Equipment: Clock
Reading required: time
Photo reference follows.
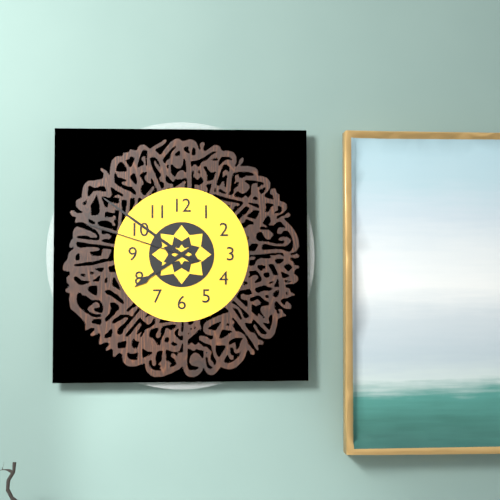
7:51:48
